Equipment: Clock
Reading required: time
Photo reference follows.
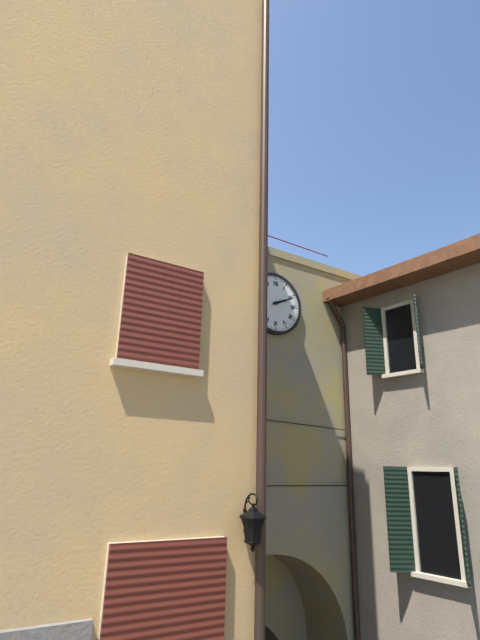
2:11
